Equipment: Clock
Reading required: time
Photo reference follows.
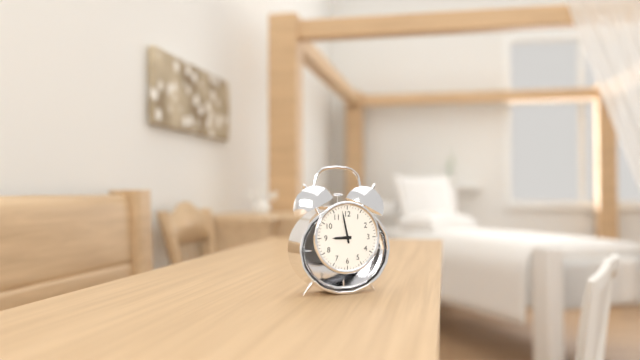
8:58
